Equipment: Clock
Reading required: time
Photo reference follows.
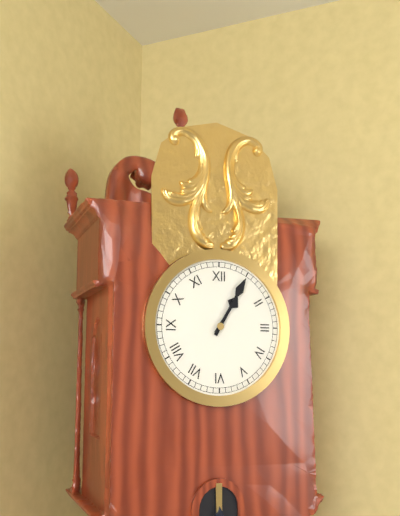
1:05
